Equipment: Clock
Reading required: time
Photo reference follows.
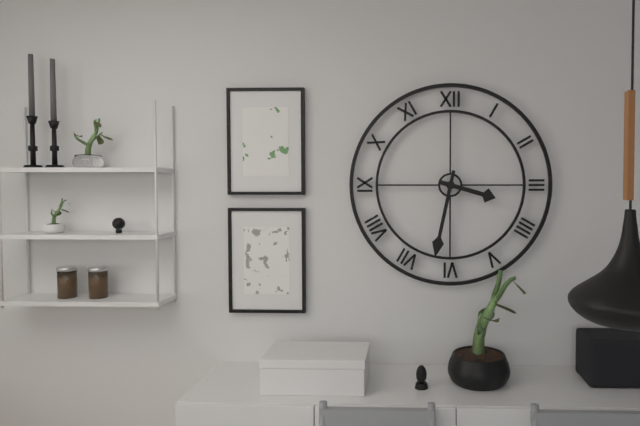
3:32
